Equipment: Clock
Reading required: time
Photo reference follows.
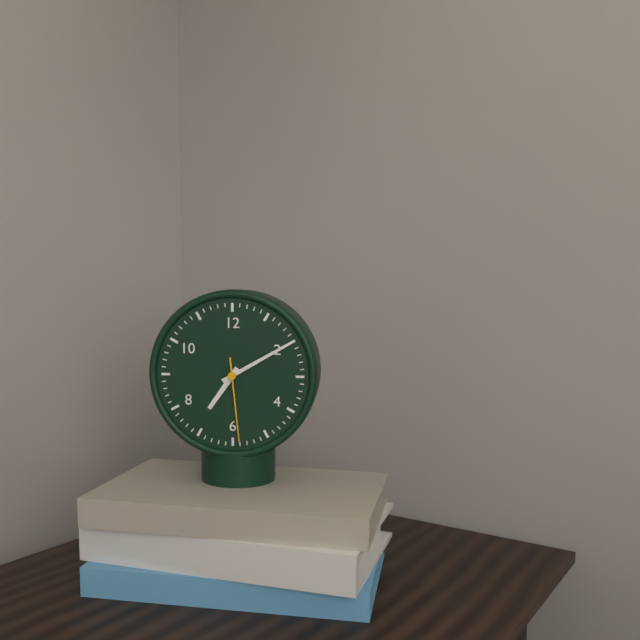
7:10:29
